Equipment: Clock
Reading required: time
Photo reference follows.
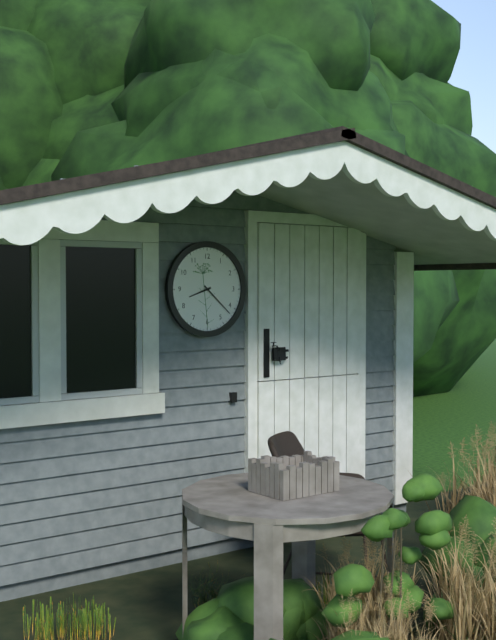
8:22
